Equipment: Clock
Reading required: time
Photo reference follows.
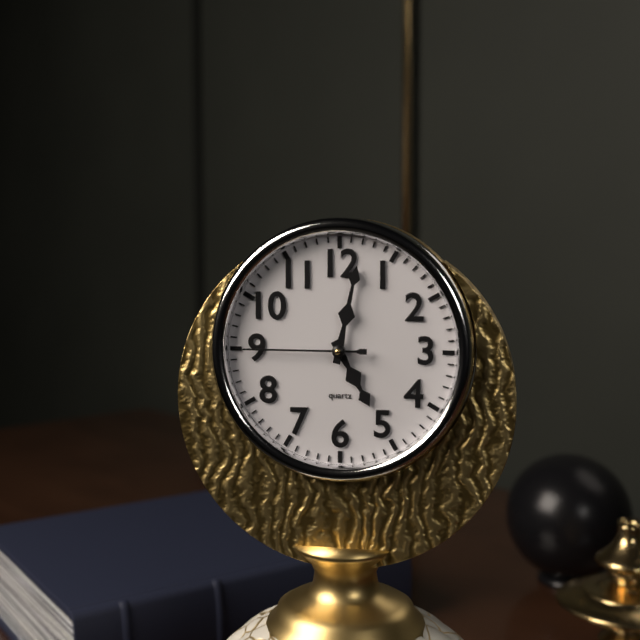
5:02:45
